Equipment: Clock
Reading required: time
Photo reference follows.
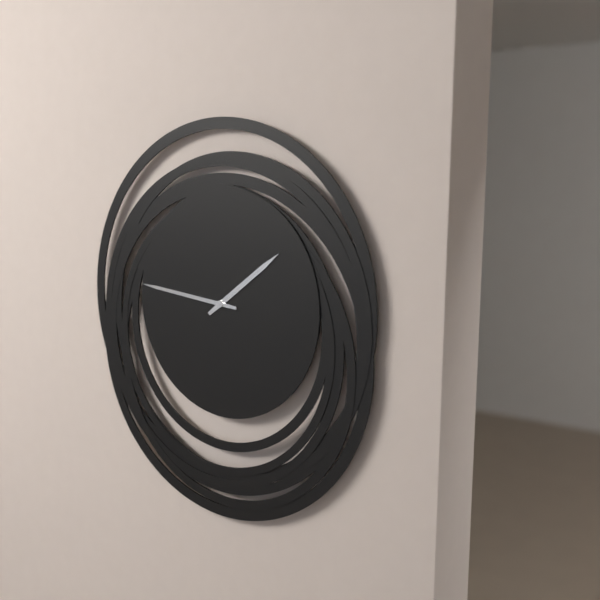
1:46
